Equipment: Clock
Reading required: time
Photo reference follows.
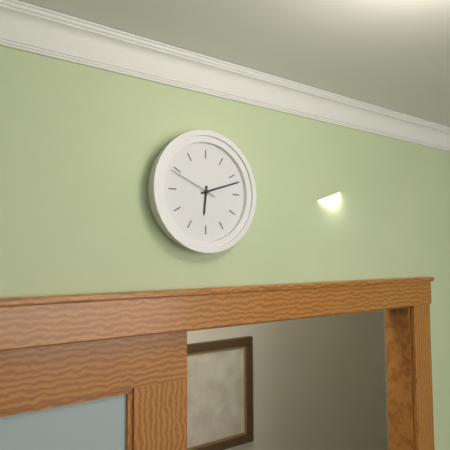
6:12:49
